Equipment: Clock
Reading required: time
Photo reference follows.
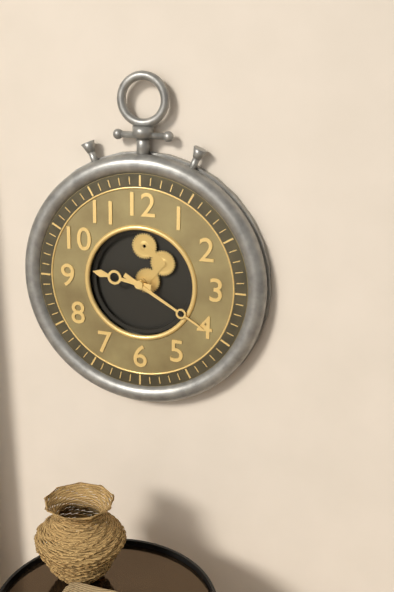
9:20
